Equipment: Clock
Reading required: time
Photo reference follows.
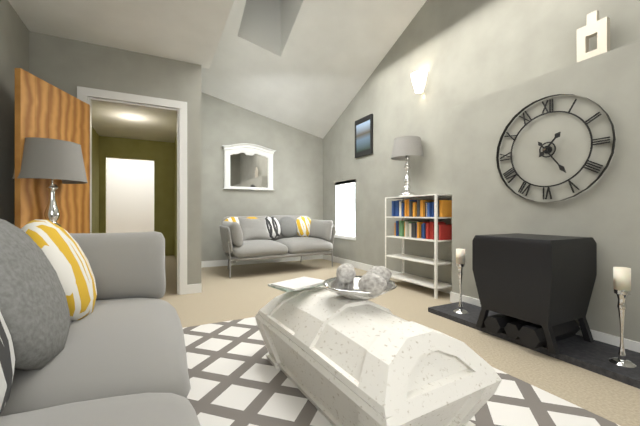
1:24
